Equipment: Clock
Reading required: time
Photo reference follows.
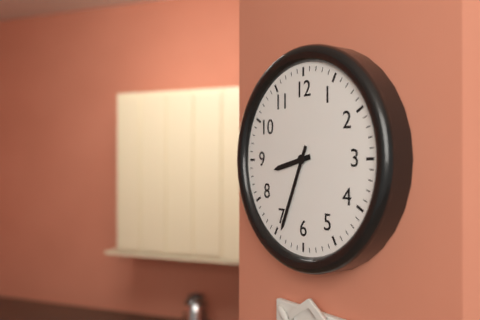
8:34
